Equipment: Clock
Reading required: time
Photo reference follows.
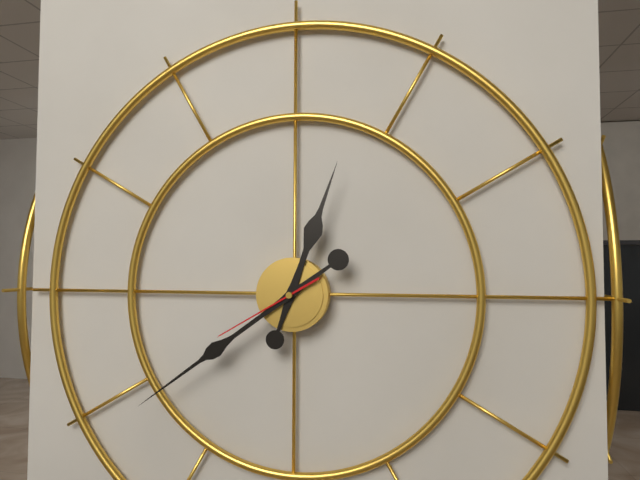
12:39:40
